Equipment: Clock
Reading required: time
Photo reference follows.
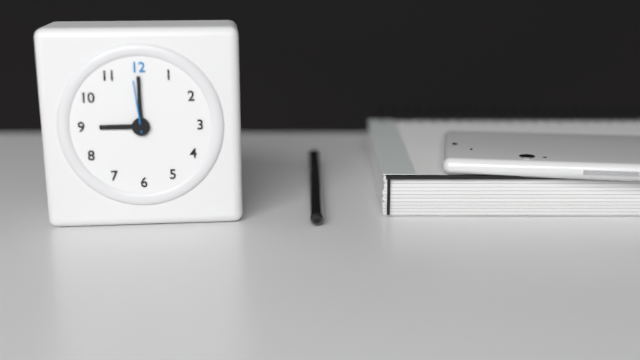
9:00:59
